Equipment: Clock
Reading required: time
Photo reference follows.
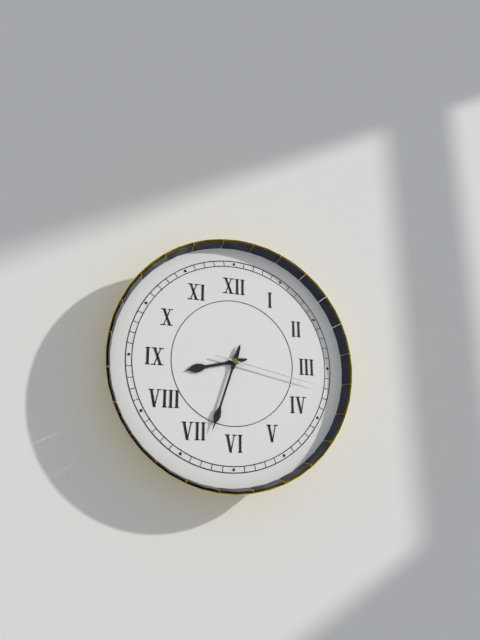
8:33:17
